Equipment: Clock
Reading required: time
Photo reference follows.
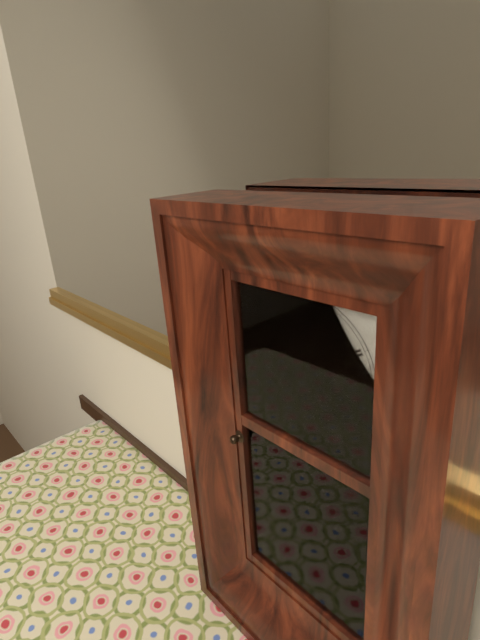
9:16
